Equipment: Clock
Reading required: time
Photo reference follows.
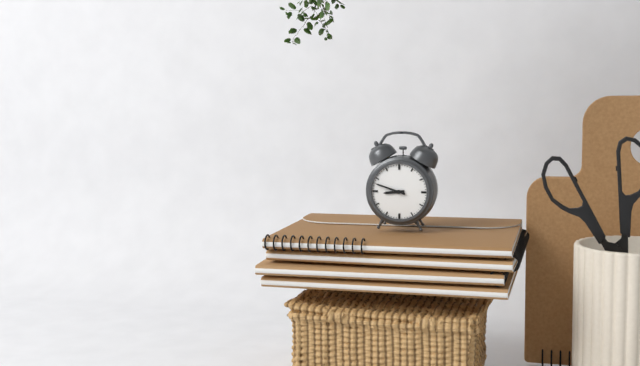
8:48
